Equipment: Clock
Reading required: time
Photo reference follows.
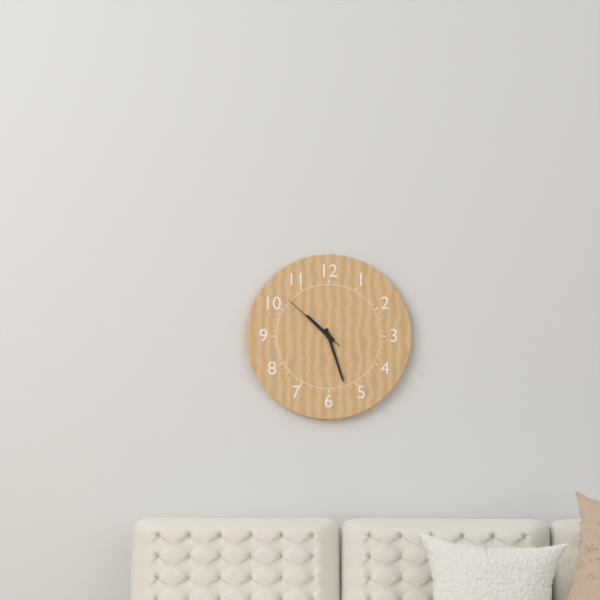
10:27:52
